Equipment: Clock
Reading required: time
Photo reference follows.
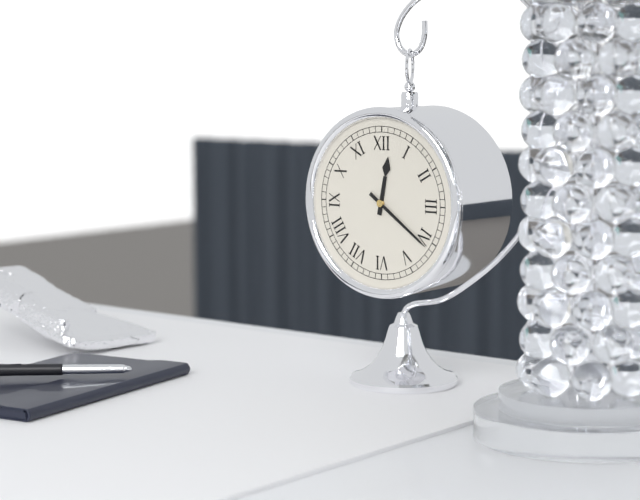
12:21
